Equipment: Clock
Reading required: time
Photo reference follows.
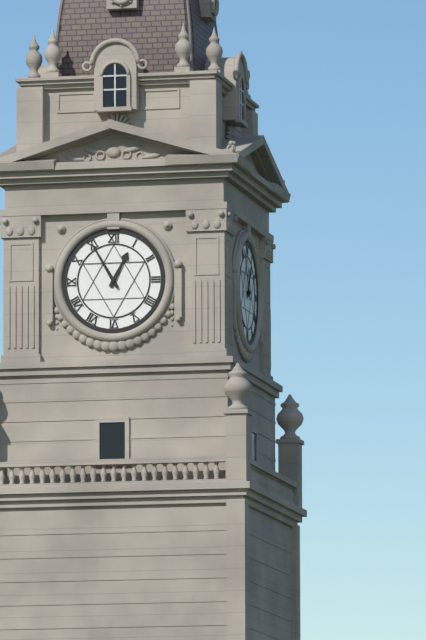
12:55
